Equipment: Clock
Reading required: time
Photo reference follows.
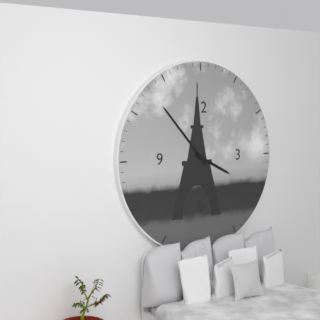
3:53
